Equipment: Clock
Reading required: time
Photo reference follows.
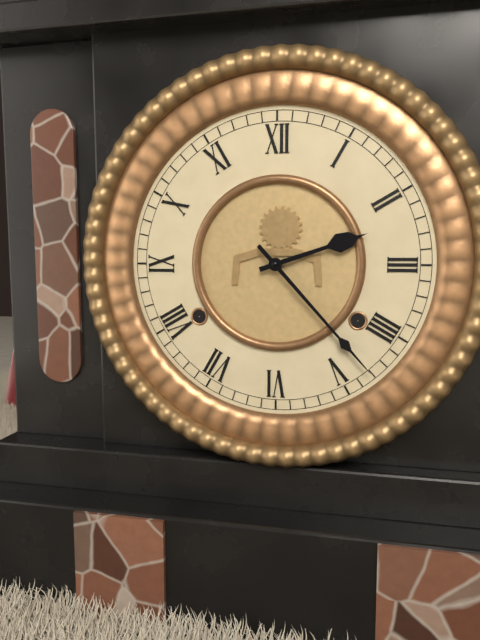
2:23
